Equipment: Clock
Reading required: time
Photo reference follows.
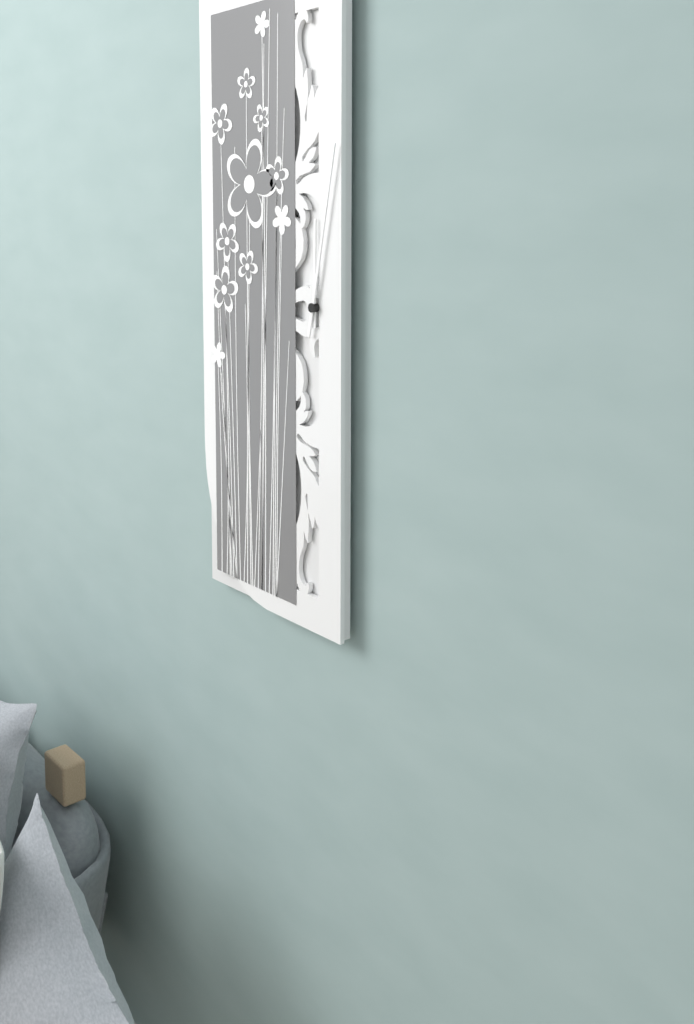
12:02
